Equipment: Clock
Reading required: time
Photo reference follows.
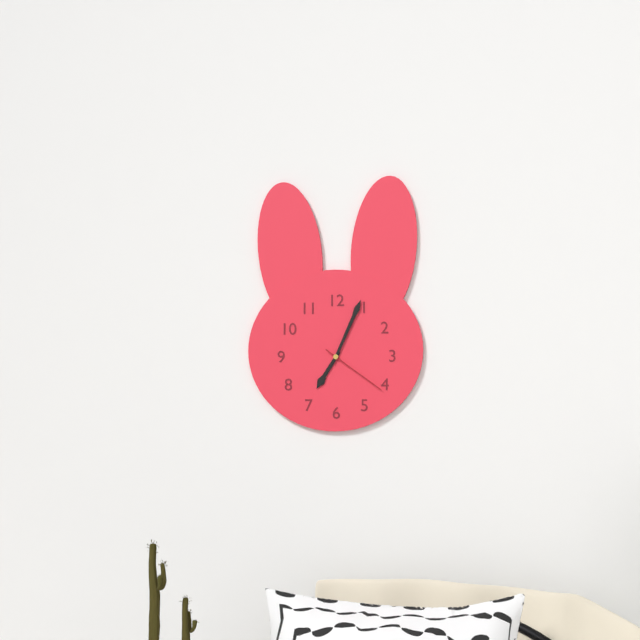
7:04:21
